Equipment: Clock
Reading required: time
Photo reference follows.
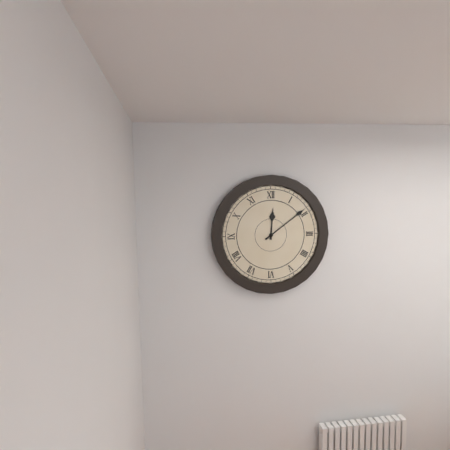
12:09
